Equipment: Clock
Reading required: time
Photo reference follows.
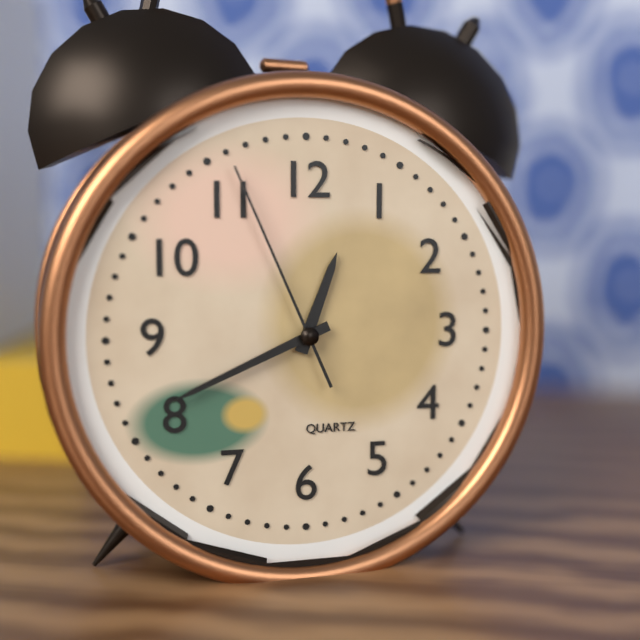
12:41:56
